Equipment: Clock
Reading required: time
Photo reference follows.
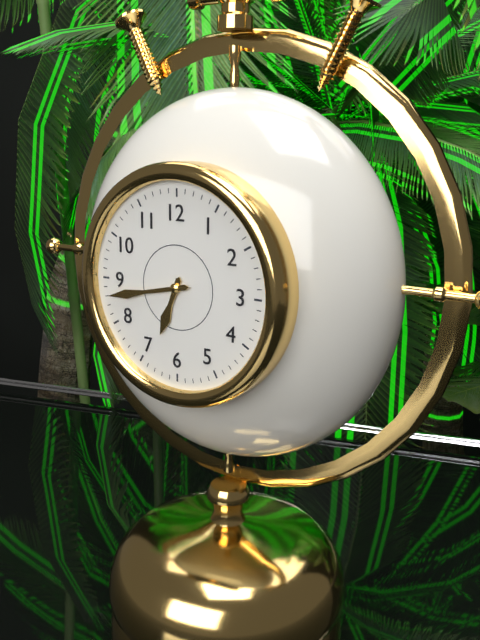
6:43
